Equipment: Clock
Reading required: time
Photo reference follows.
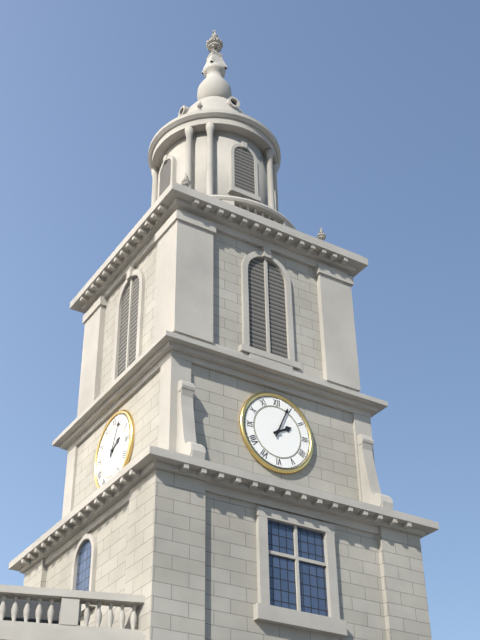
2:04
